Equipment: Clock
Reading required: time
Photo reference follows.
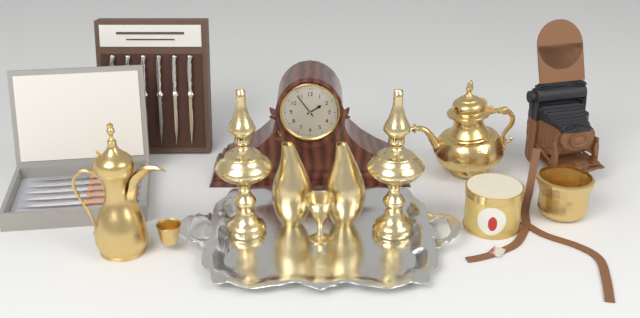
1:54
